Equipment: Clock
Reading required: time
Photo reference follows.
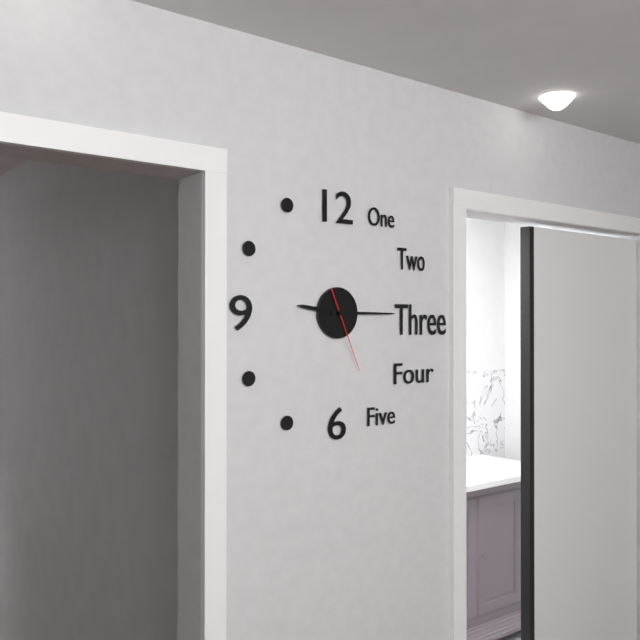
9:15:26
